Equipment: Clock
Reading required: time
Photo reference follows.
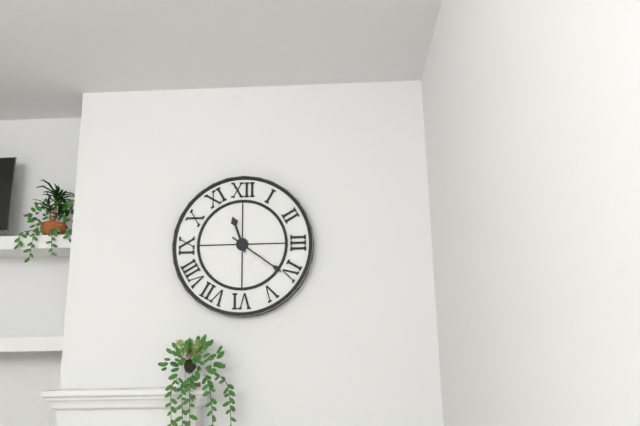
11:21
